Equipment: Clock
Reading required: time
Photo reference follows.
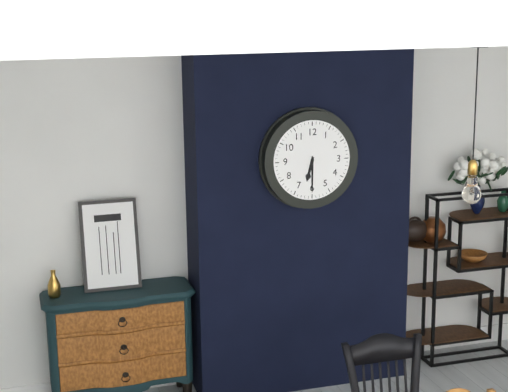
6:30
